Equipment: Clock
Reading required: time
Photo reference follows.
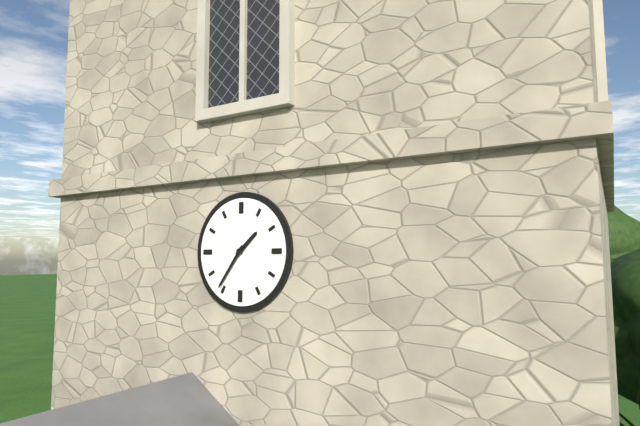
1:36
